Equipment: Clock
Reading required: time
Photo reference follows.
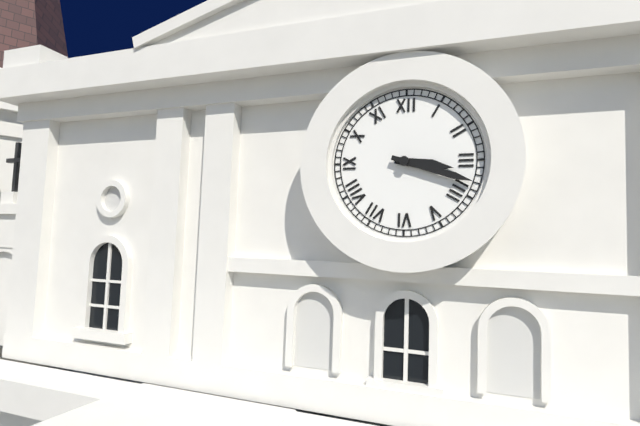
3:18
